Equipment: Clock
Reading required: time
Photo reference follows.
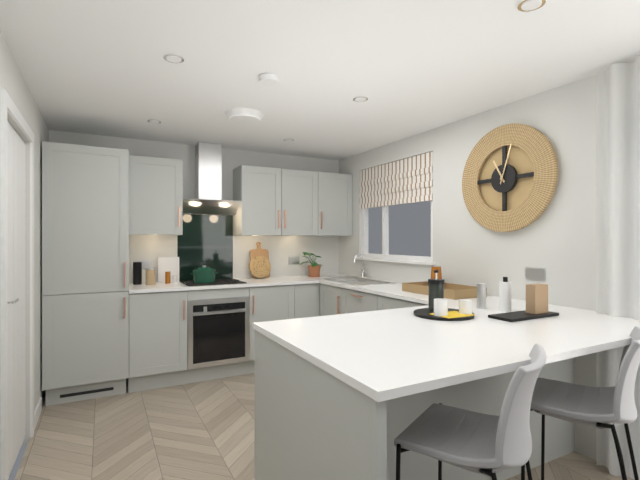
11:03
